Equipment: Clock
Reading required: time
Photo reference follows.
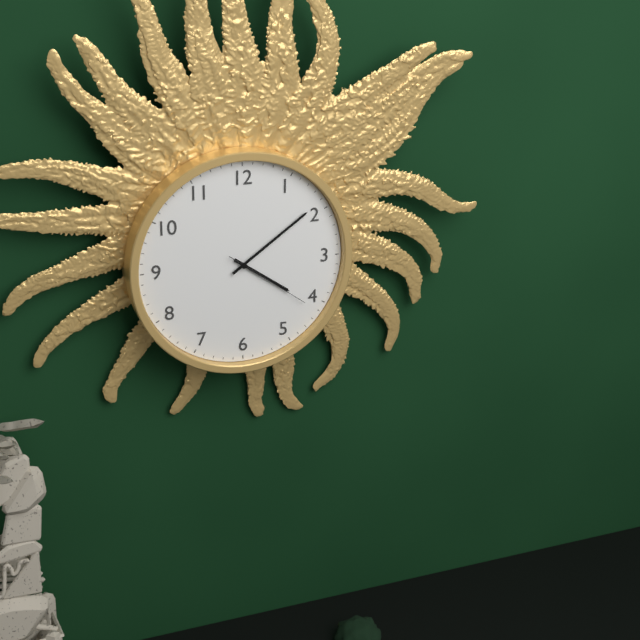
4:09:21
